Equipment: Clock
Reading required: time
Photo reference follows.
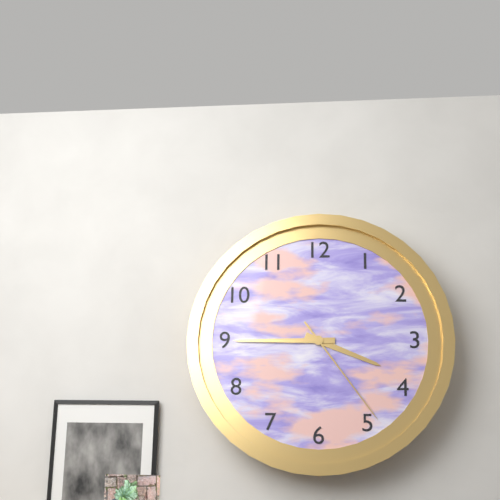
3:45:24
